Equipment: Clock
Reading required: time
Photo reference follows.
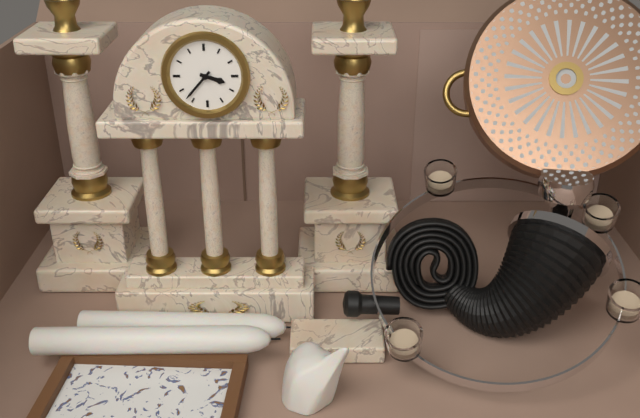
3:37
